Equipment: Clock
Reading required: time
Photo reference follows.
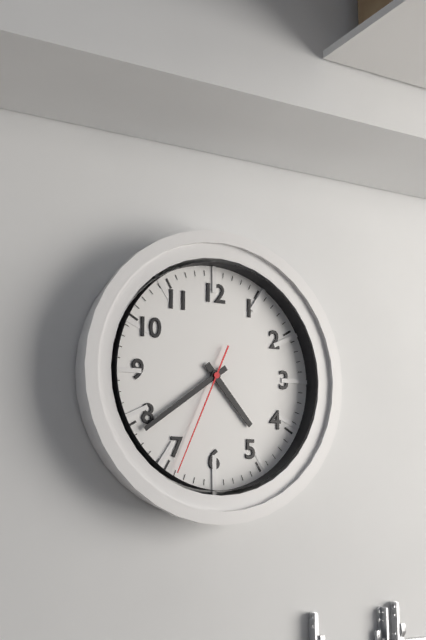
4:39:34
